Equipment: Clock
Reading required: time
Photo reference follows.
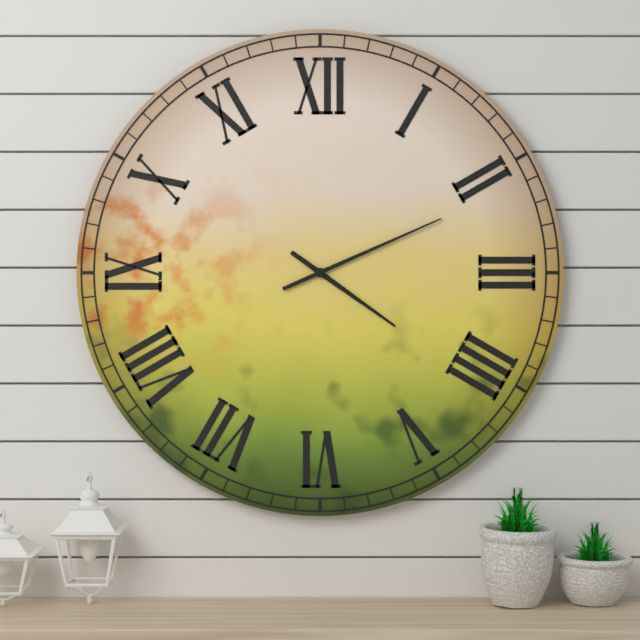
4:11
